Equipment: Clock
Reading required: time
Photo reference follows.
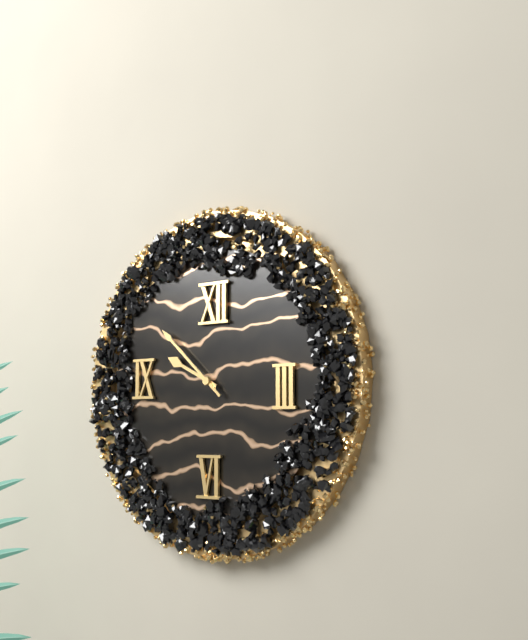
9:52
